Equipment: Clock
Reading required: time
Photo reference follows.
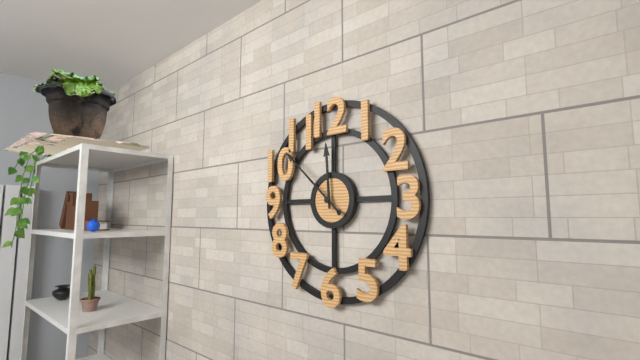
11:52
